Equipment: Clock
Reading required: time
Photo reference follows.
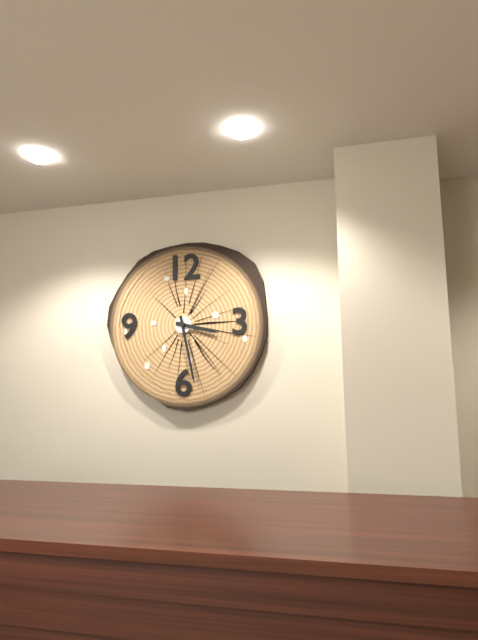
3:28
